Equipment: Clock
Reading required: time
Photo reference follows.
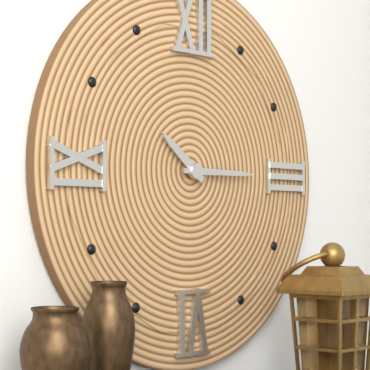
10:15
